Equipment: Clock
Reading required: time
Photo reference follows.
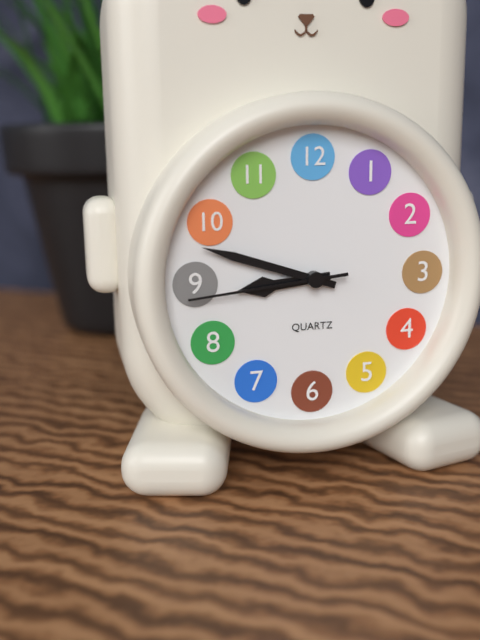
8:48:44
